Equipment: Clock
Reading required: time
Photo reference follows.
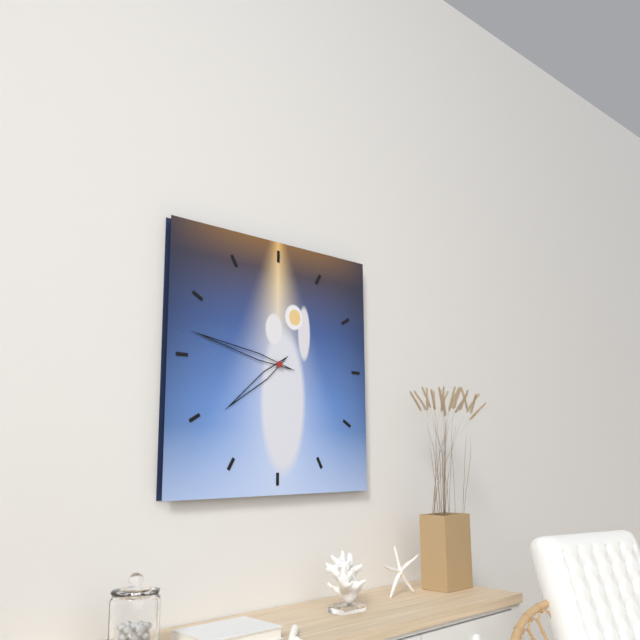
7:47
